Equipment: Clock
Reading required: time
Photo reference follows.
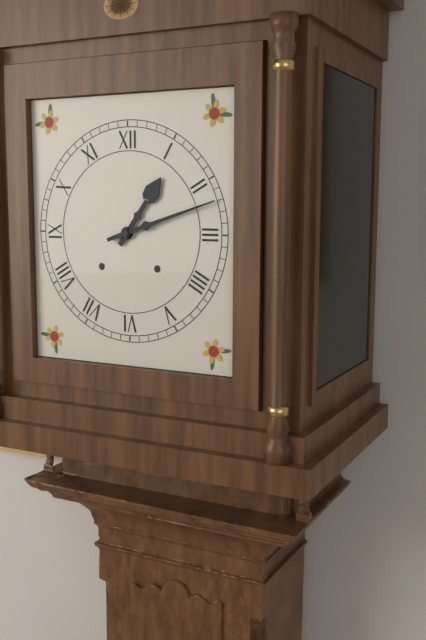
1:12
